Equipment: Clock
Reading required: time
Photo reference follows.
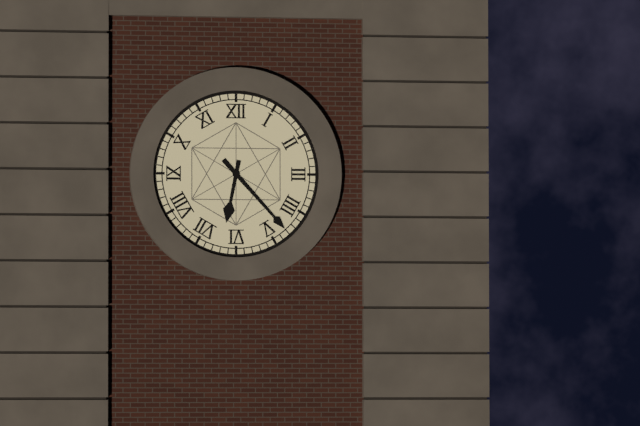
6:23
